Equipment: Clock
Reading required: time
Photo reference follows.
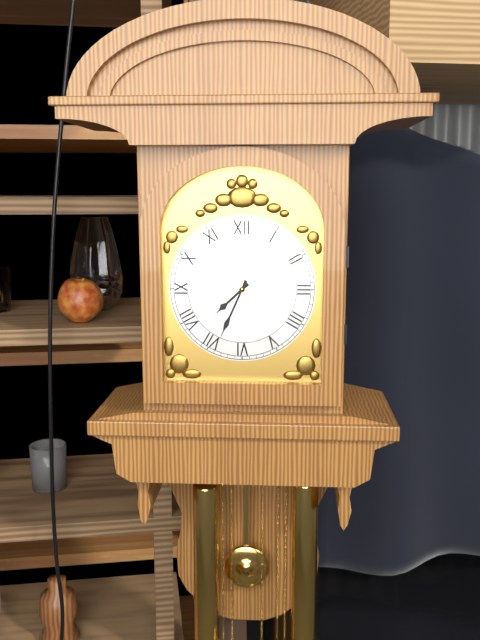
7:34
